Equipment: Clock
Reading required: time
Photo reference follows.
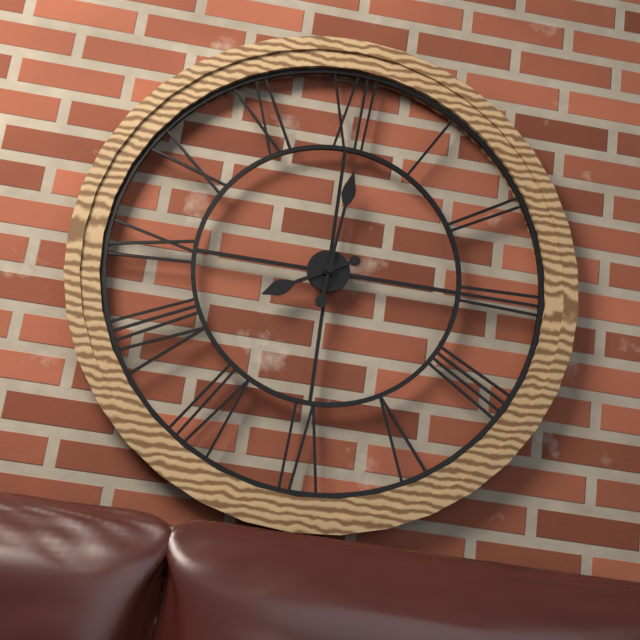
8:01
